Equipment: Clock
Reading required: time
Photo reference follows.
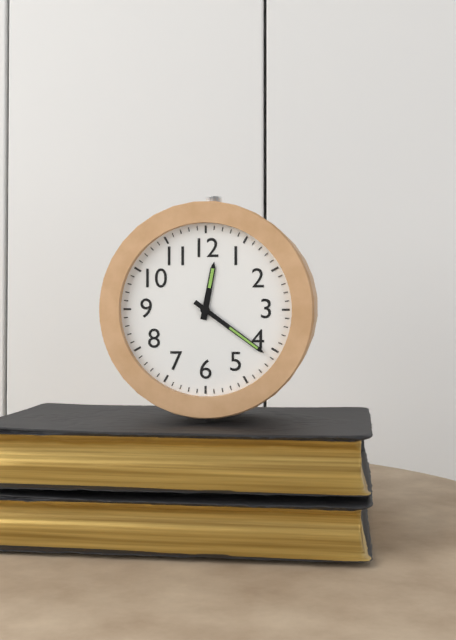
12:21
